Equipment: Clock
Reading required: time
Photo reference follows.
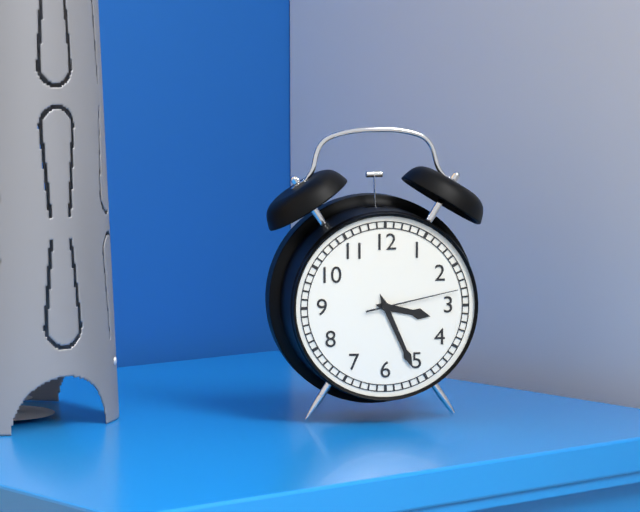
3:26:13
